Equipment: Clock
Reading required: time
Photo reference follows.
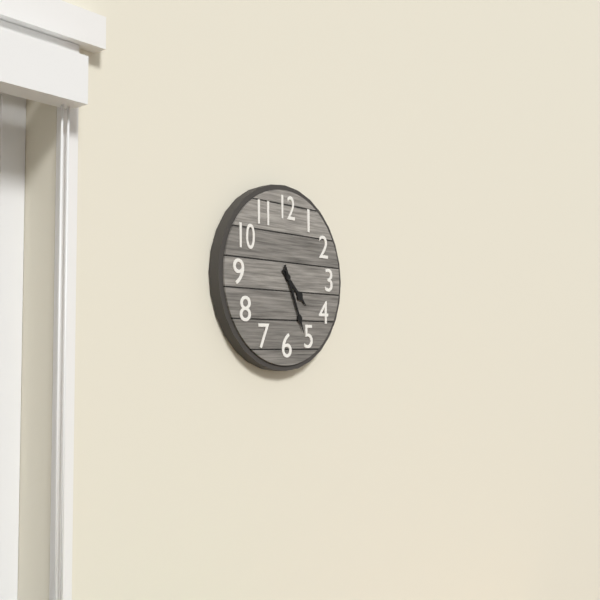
4:26
